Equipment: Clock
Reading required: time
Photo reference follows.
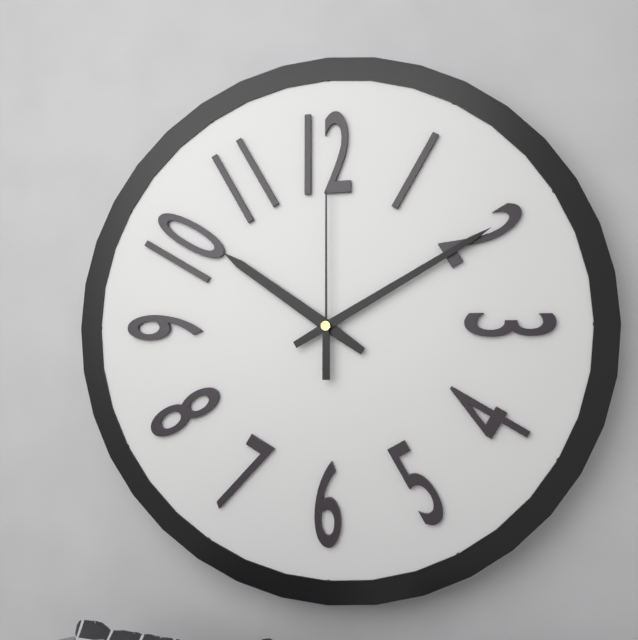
10:10:00
